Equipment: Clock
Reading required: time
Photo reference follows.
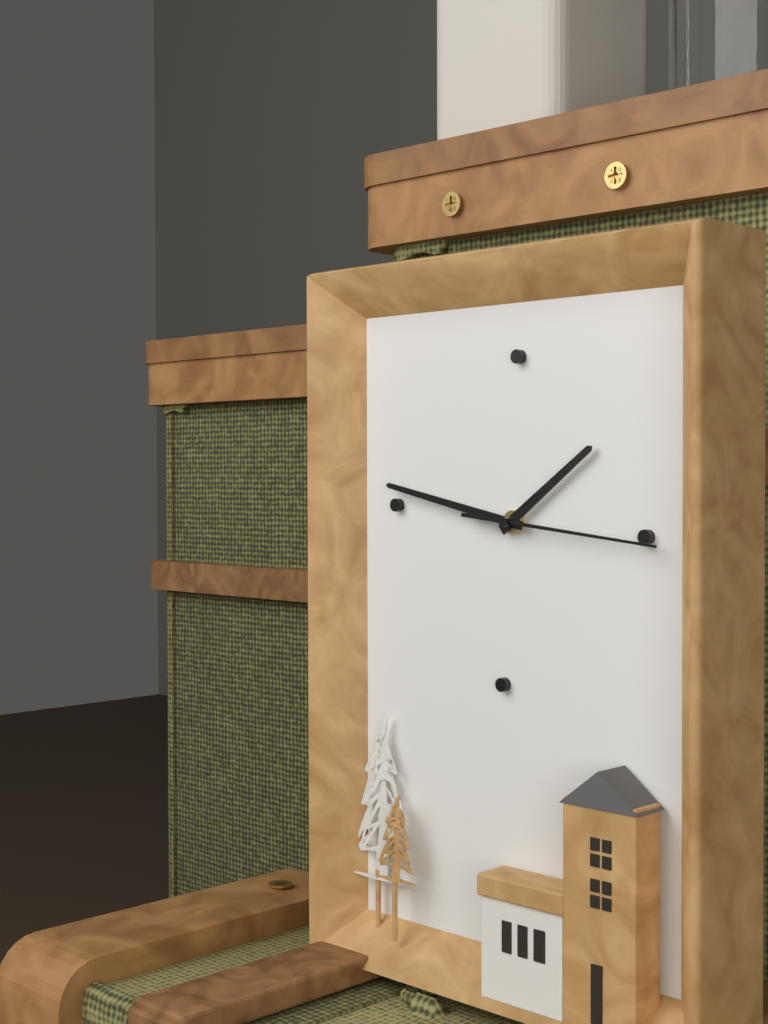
1:47:16
